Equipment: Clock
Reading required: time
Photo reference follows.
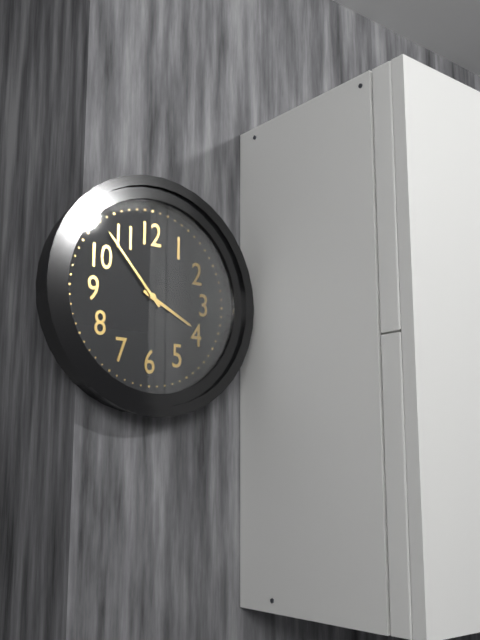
3:53
